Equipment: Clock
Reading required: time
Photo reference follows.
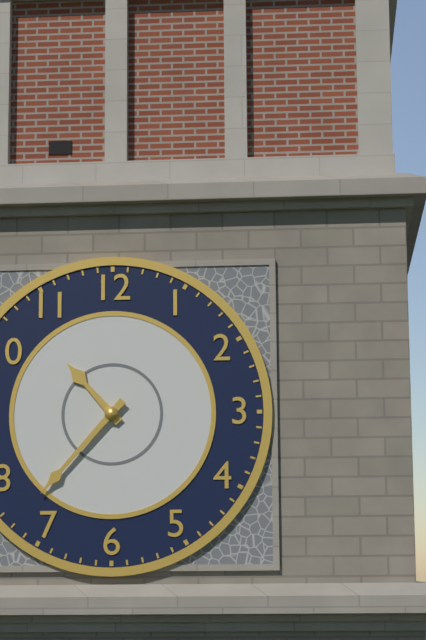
10:37
